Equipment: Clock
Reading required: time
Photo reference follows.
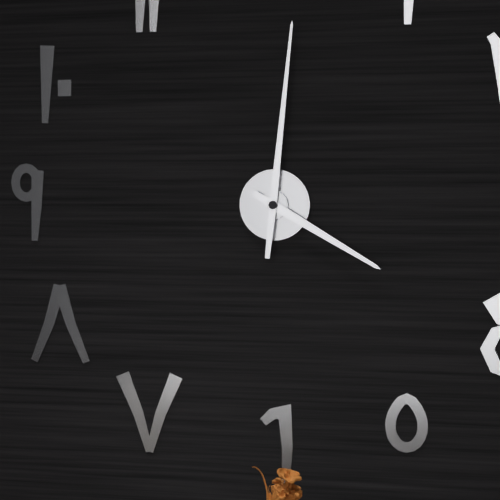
4:01
